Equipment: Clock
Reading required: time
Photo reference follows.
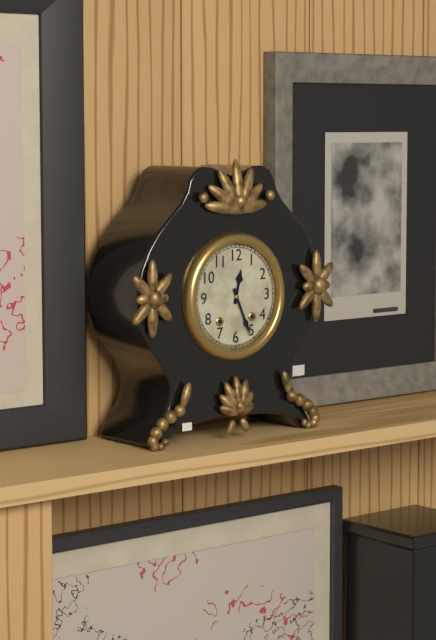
12:26
